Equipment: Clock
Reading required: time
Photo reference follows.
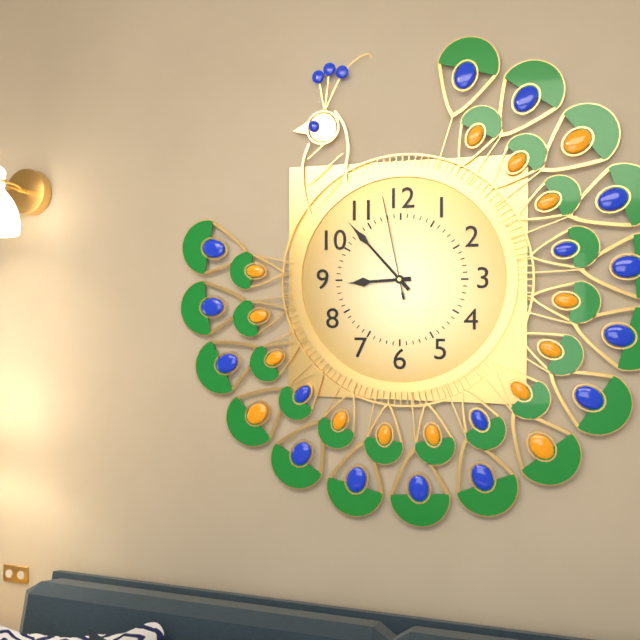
8:53:58
